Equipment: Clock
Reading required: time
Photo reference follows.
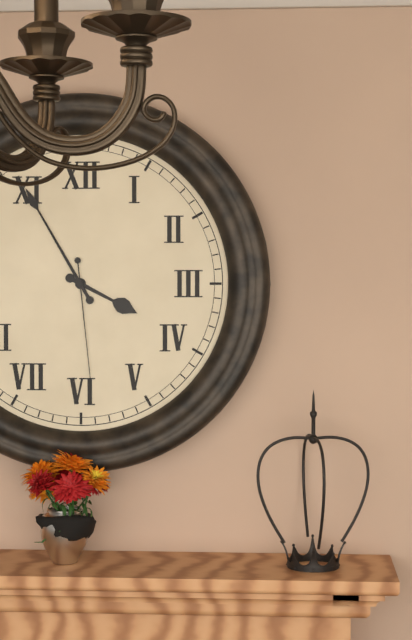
3:55:29
